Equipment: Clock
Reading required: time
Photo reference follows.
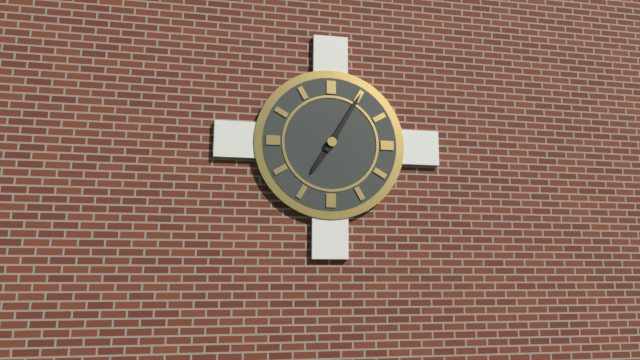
7:05
